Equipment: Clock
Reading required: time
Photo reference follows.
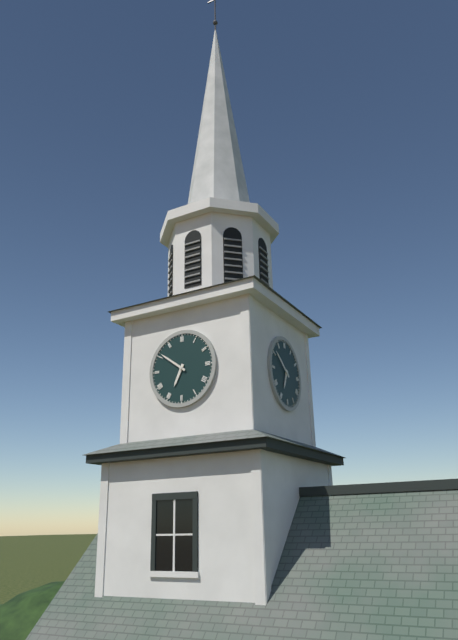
6:51
